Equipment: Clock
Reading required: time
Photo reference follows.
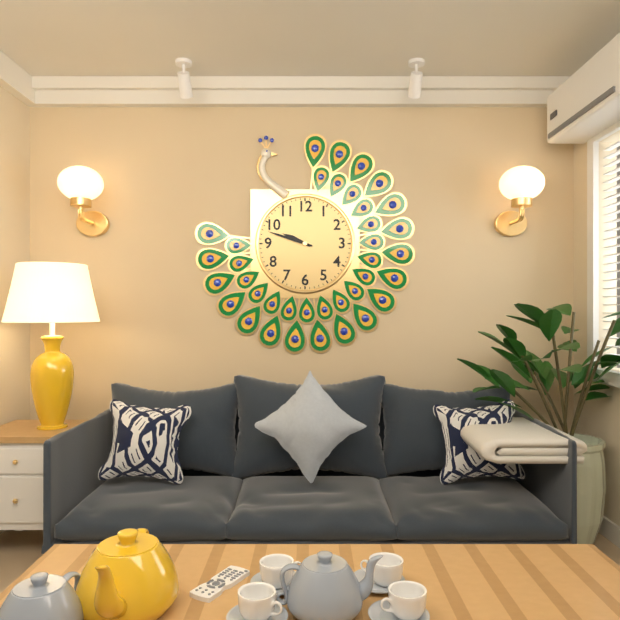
9:48
